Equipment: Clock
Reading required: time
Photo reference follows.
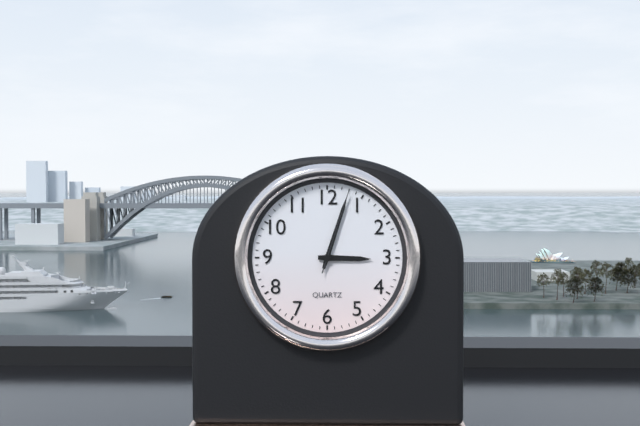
3:03:03
